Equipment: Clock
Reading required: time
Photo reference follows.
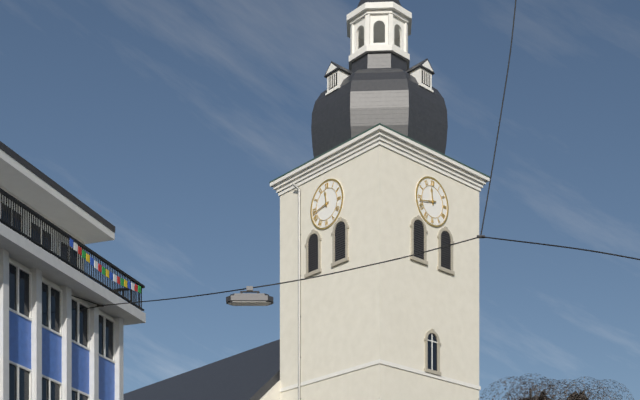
11:43
